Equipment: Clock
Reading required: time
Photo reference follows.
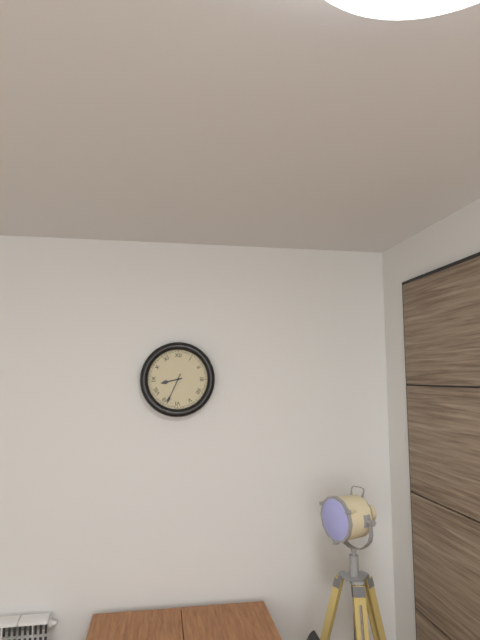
8:34
